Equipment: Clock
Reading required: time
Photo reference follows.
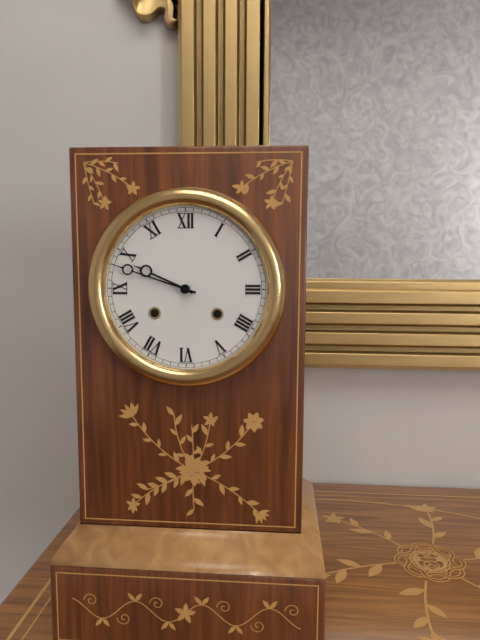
9:48
